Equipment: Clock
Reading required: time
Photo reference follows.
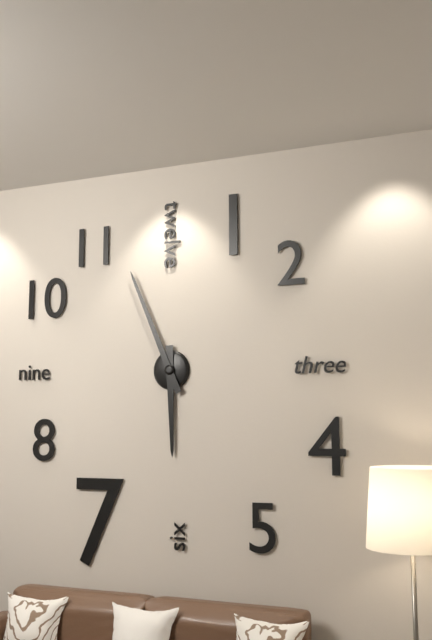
5:56
